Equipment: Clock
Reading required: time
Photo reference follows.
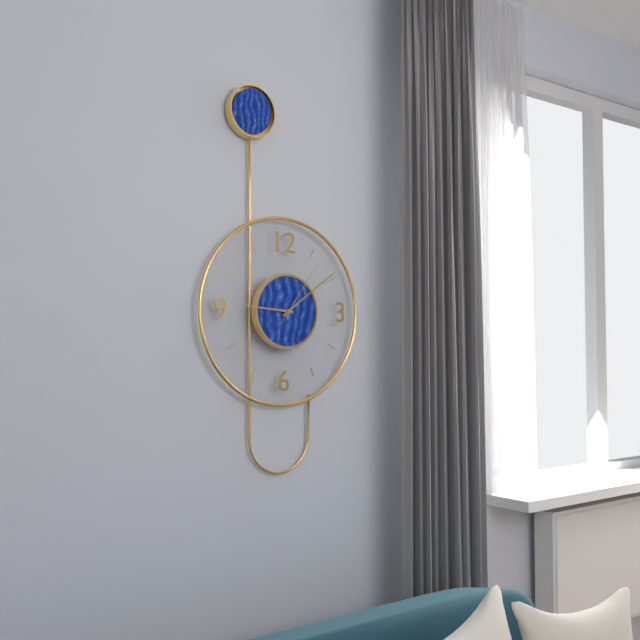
9:09:06
